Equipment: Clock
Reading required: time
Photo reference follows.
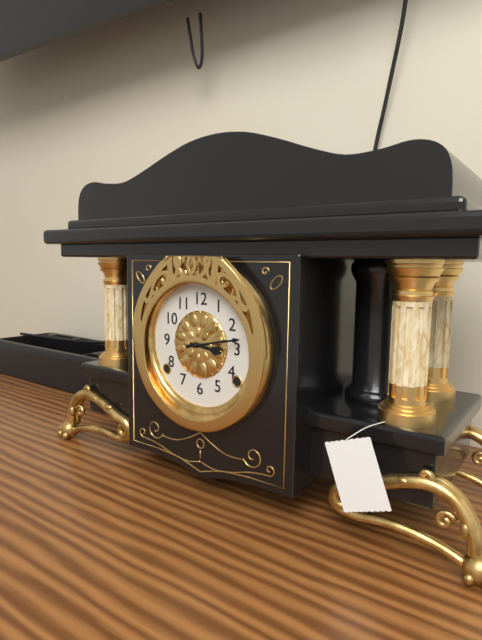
3:13
